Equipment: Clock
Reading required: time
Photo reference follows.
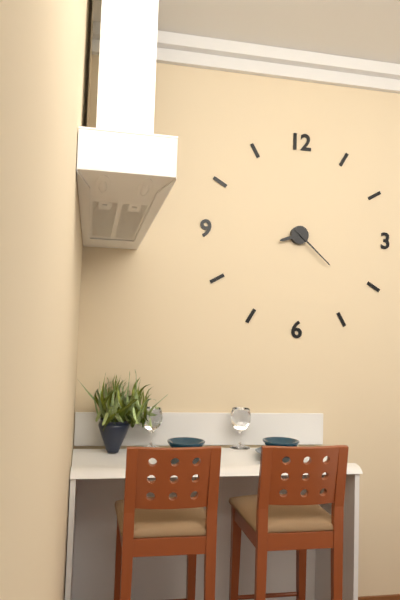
8:22
